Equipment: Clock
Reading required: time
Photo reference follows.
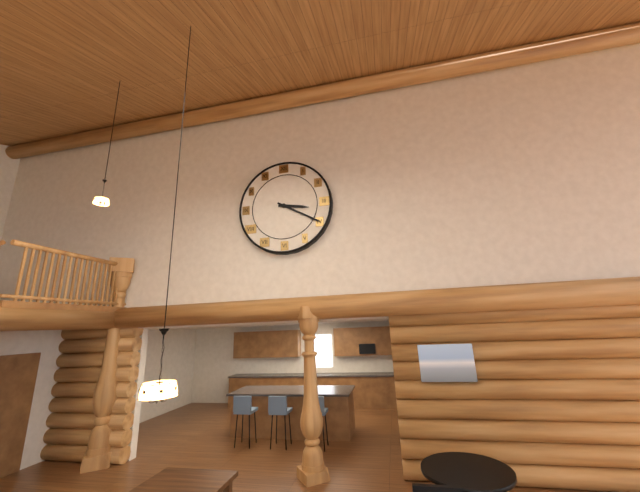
3:20
